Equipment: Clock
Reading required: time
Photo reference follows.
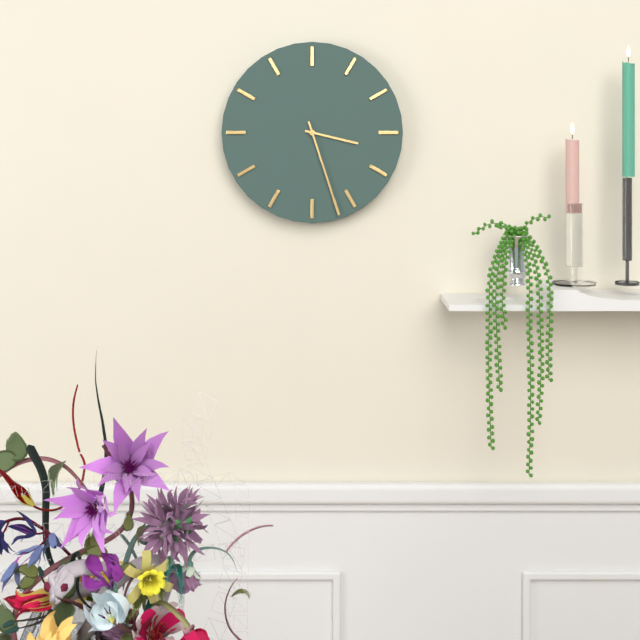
3:27
